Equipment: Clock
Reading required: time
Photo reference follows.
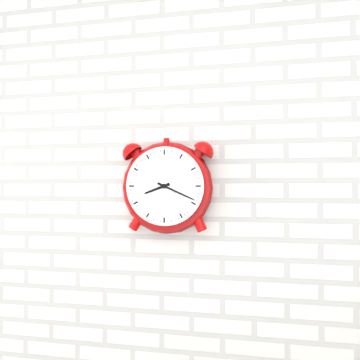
8:19
